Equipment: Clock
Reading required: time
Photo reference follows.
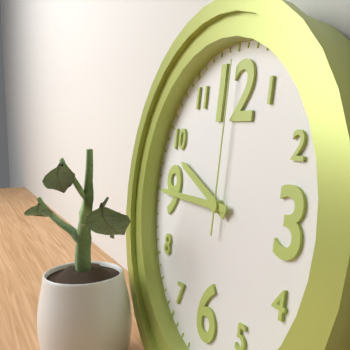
9:45:00
